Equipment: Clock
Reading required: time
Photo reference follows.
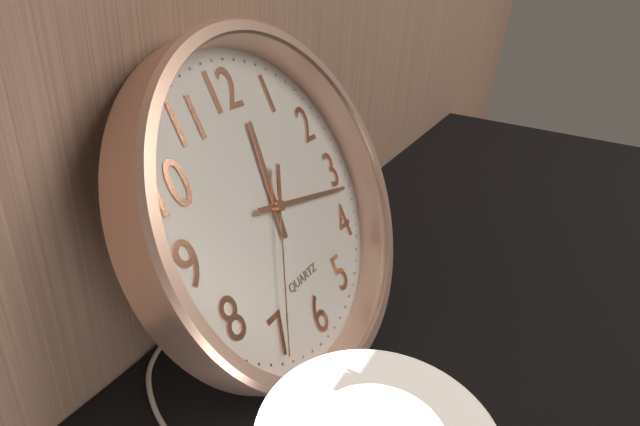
12:17:35
